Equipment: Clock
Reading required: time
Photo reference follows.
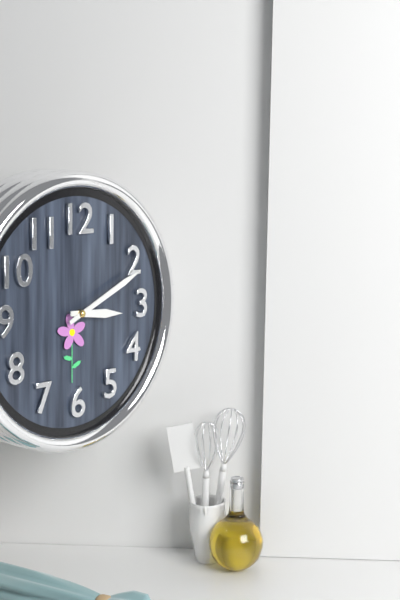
3:11
